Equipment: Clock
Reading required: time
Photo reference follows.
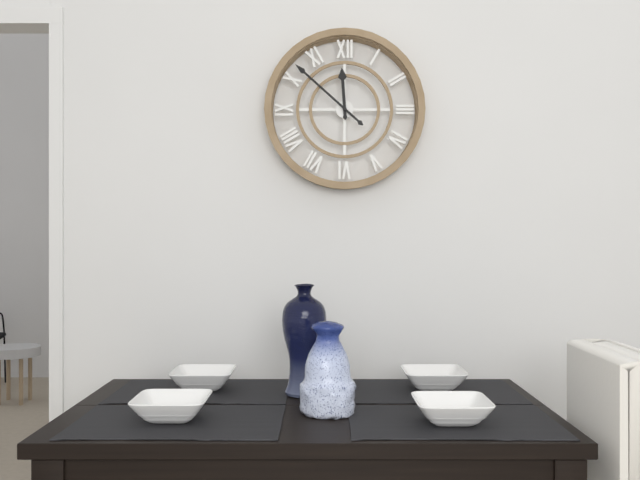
11:52
